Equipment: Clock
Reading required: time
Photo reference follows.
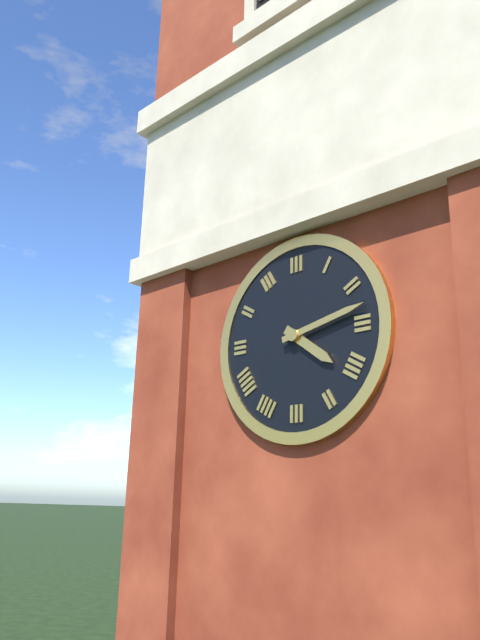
4:13
